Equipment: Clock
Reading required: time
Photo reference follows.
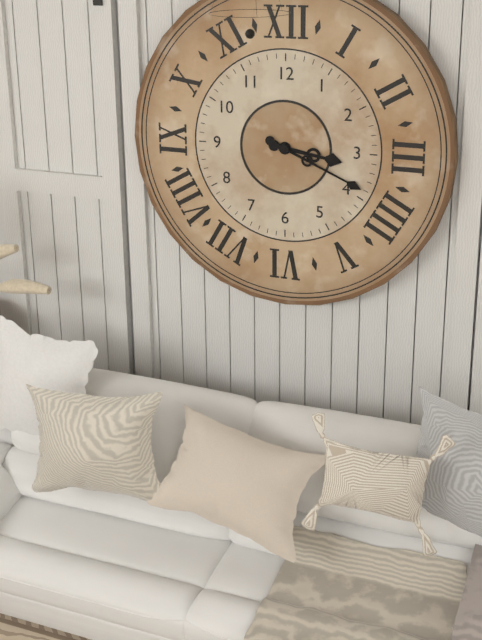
3:19
